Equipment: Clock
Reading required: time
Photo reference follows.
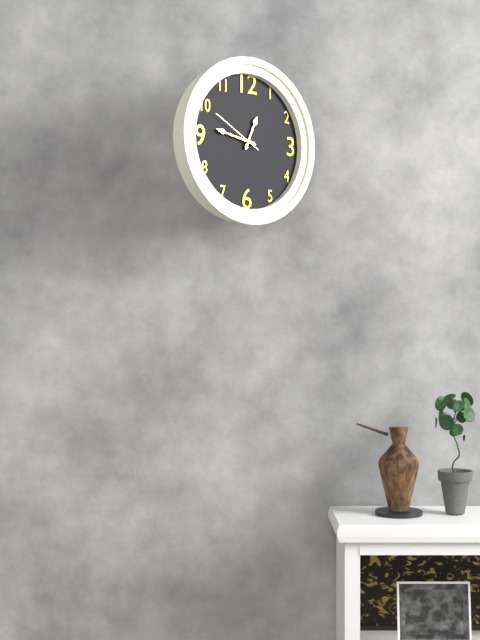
12:47:50
